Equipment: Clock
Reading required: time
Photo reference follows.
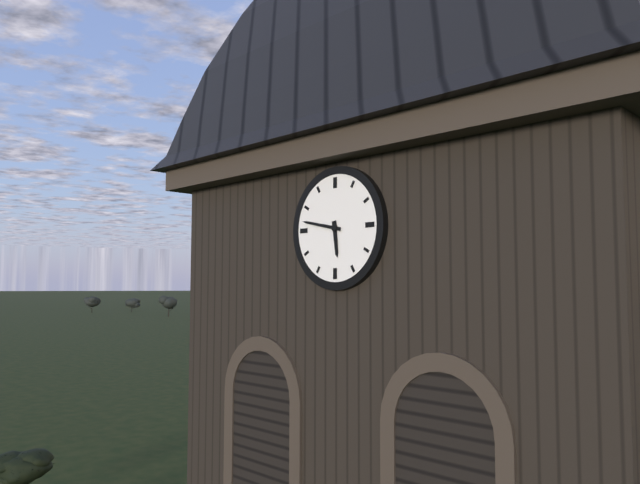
5:47
